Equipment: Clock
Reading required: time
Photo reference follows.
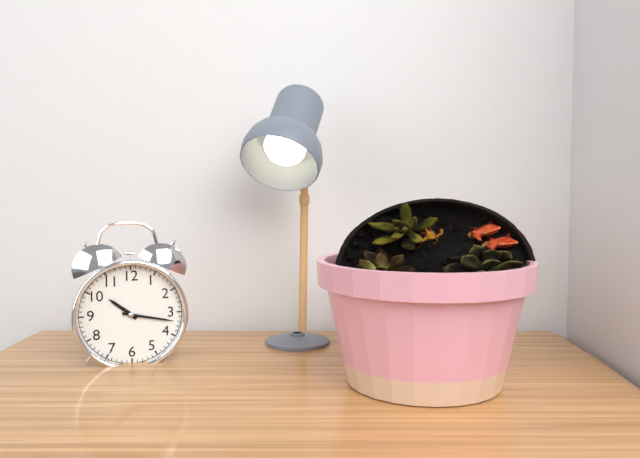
10:17
